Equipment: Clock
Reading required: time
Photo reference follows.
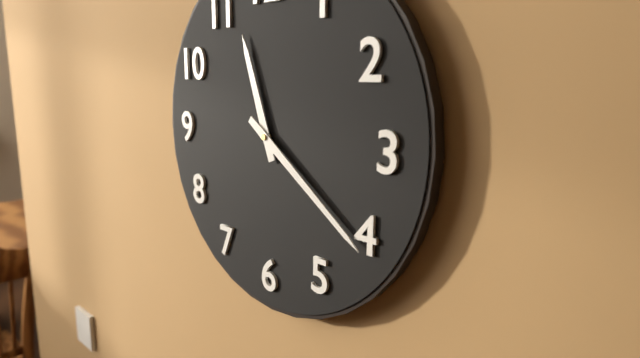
11:21
